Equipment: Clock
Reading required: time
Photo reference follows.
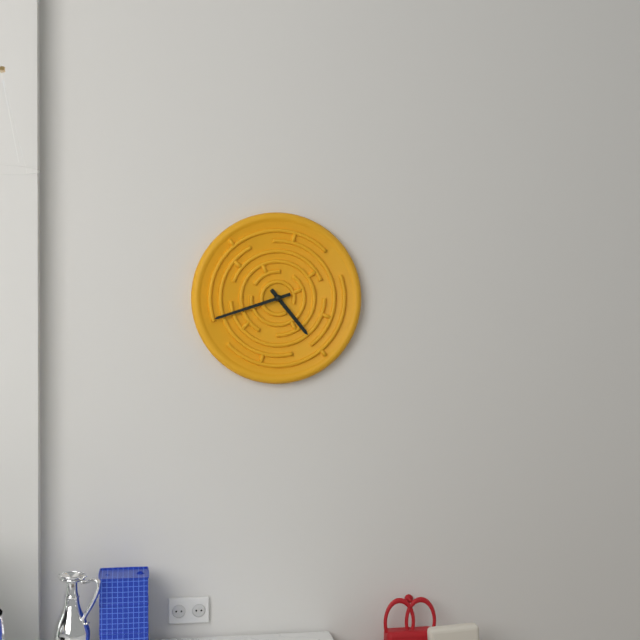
4:42
